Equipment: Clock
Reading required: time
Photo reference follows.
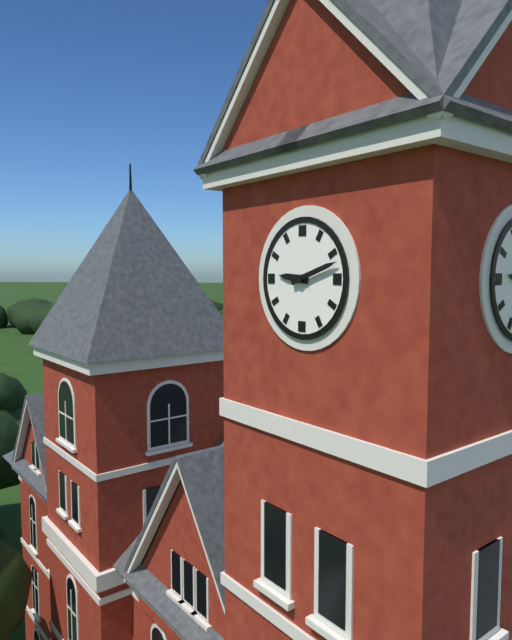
9:12
